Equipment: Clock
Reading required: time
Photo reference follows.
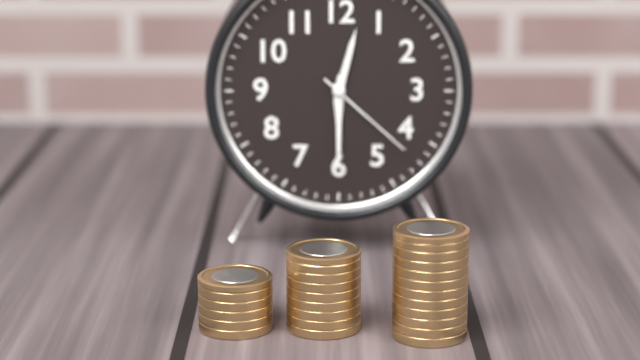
12:30:22
